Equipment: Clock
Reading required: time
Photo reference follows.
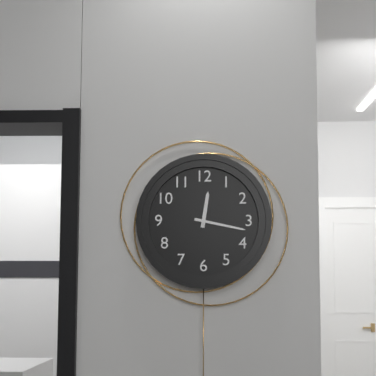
12:17
